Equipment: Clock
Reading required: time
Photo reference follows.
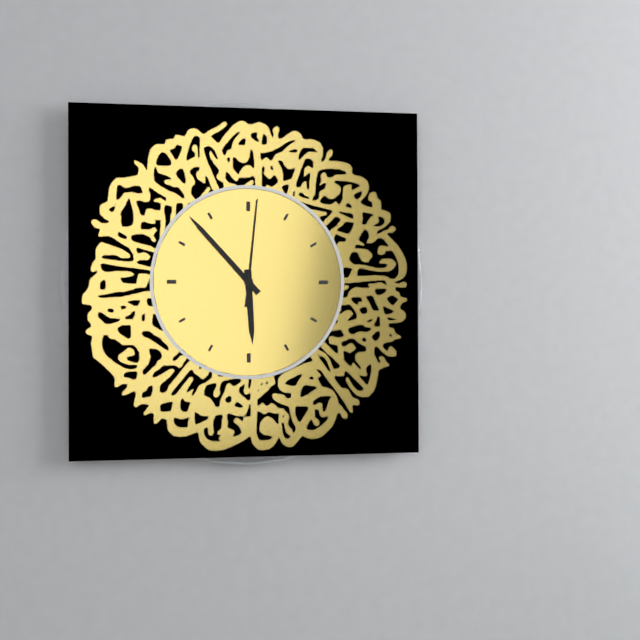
5:53:01
